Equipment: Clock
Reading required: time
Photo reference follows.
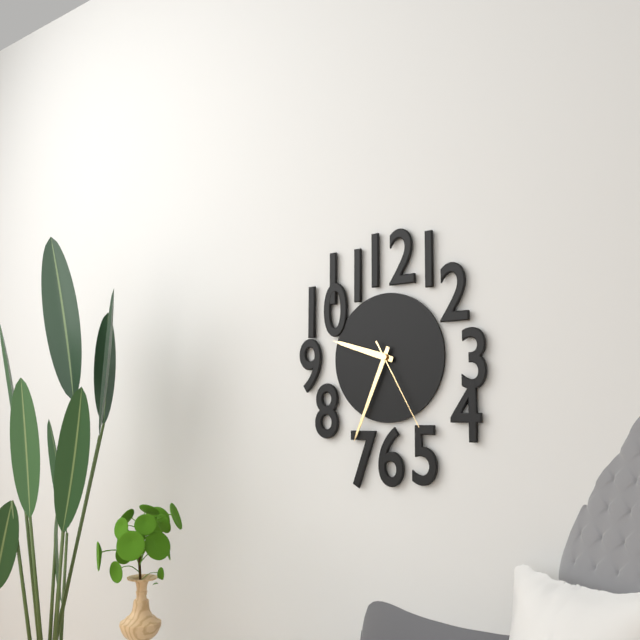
9:34:25
